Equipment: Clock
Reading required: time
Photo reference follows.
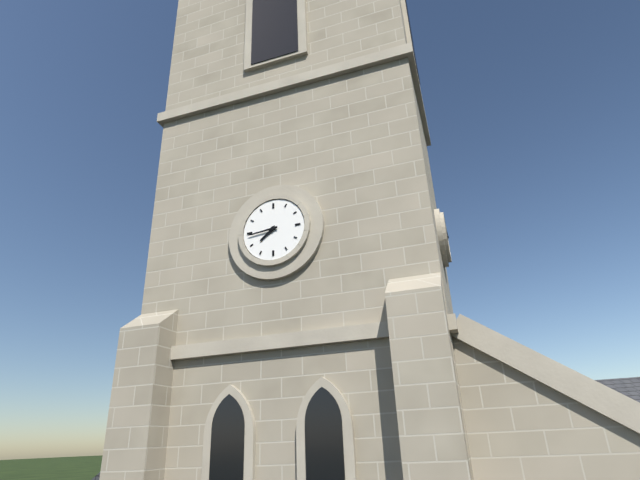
7:44
